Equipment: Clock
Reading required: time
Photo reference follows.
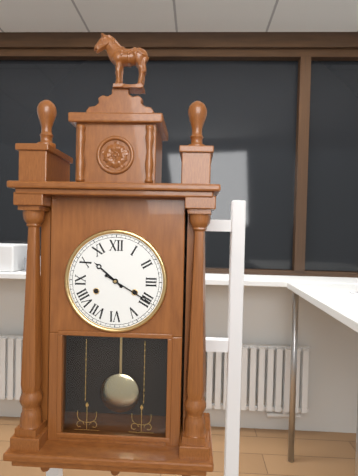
10:20
